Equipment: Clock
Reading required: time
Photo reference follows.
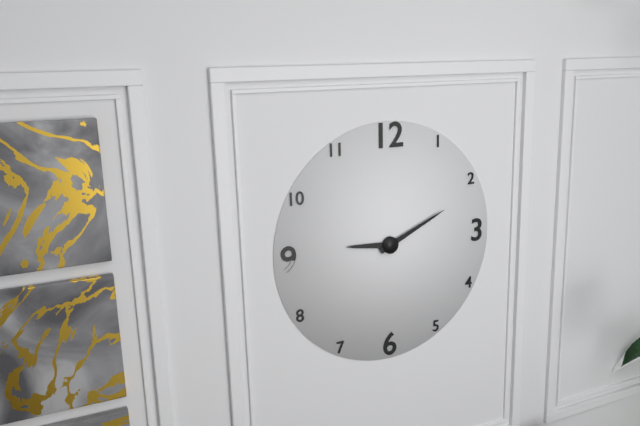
9:11
